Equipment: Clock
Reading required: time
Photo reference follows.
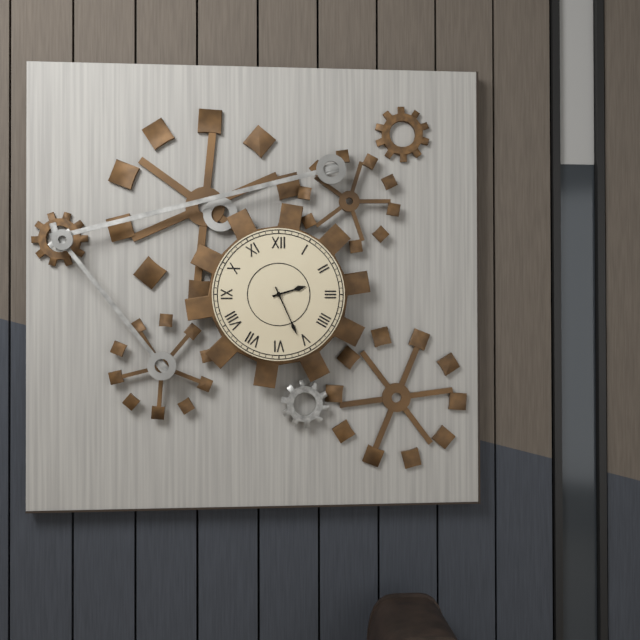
2:26
